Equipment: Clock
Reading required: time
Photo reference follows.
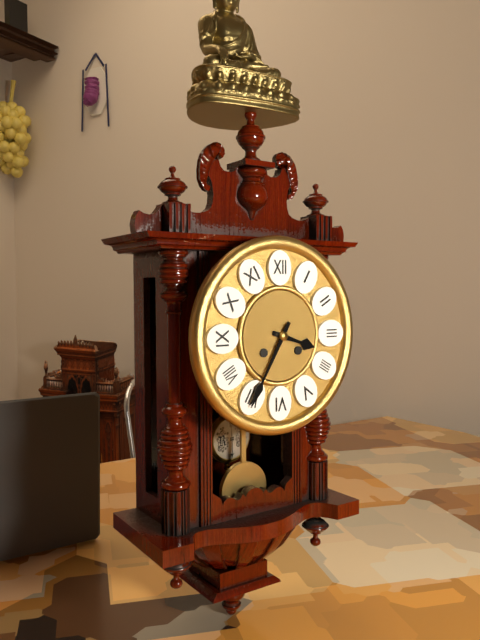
3:35
